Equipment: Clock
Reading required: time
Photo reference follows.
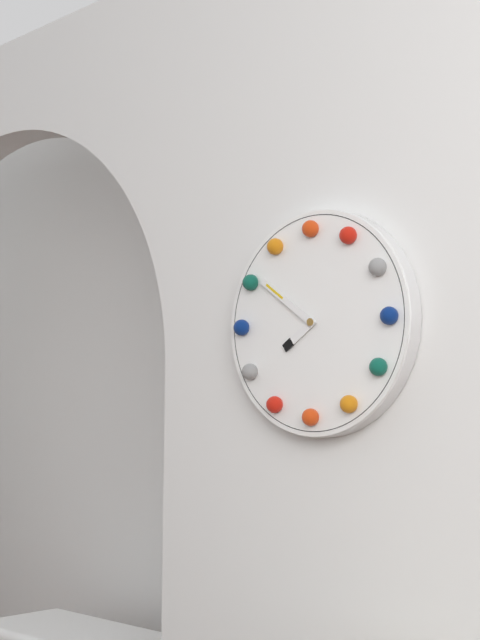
7:51
